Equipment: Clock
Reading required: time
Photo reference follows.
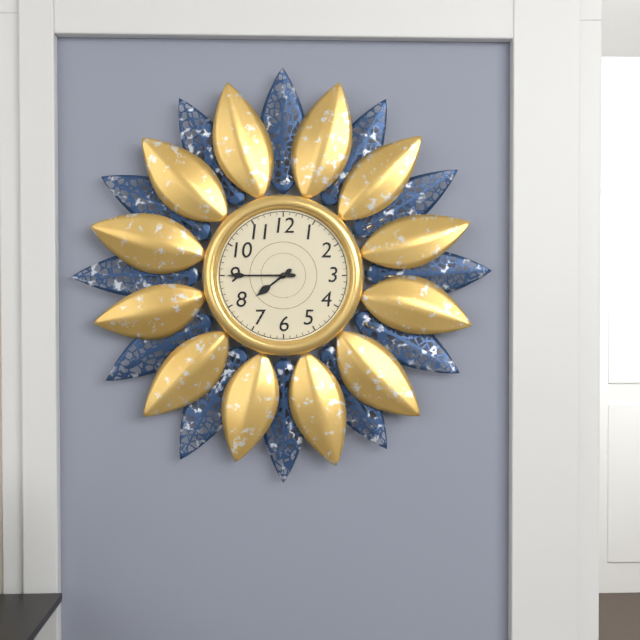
7:45
